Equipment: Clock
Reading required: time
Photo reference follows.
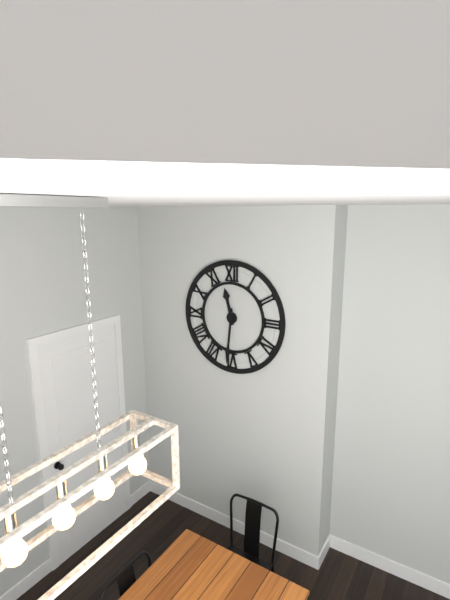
11:31
